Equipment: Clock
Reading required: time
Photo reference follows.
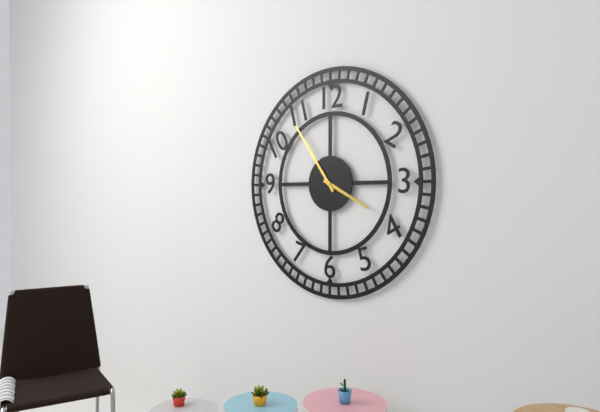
3:54
